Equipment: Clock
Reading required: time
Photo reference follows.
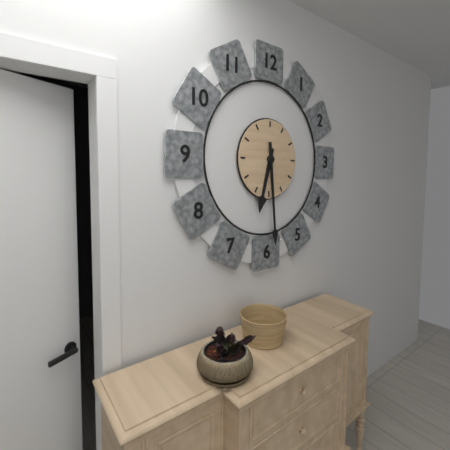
6:29
